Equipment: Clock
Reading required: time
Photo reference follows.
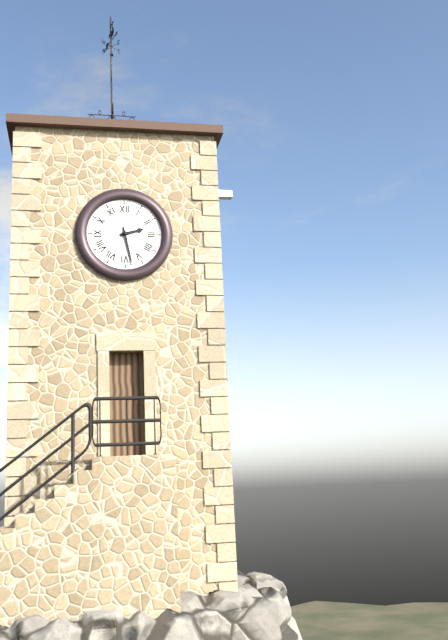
2:28
